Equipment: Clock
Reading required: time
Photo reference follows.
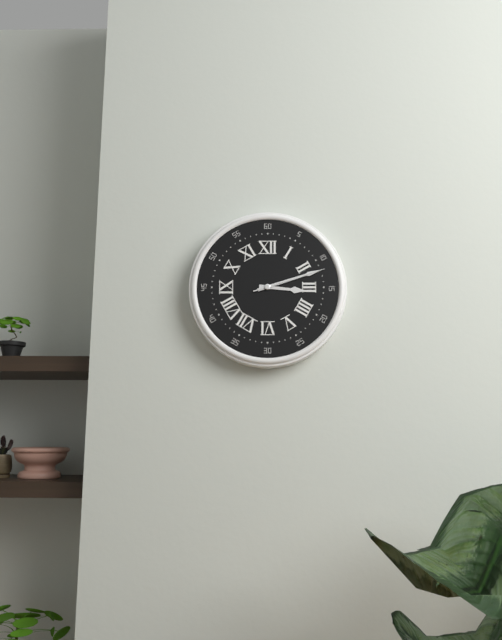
3:12:12
